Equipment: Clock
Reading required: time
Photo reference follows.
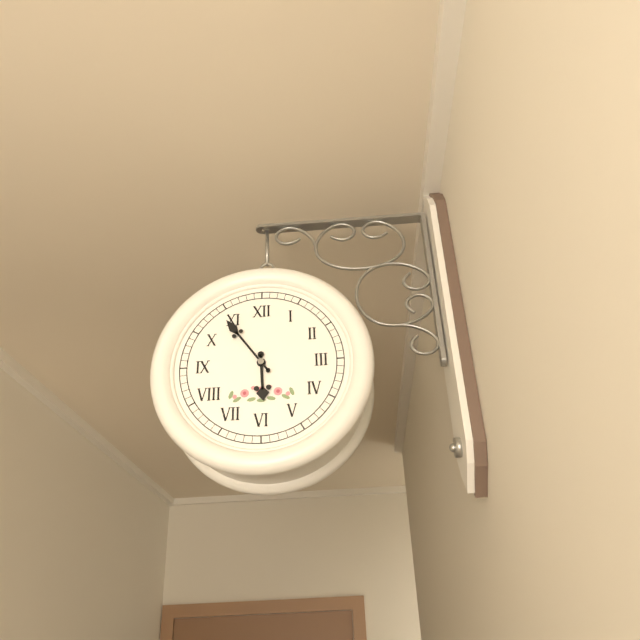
5:54
